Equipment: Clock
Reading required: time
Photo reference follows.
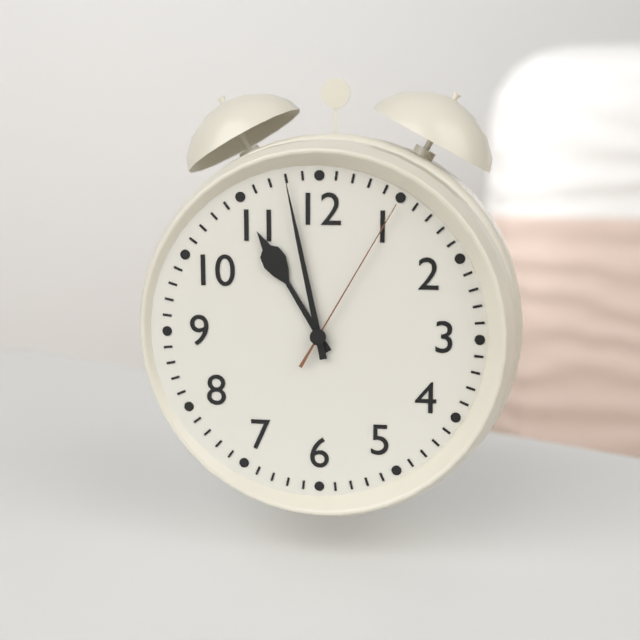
10:58:05
